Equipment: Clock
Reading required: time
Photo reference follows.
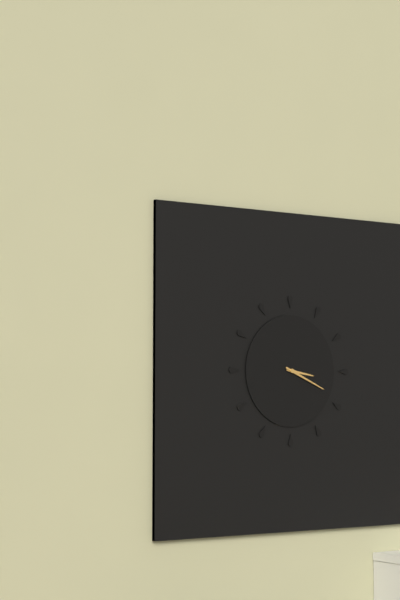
3:19
